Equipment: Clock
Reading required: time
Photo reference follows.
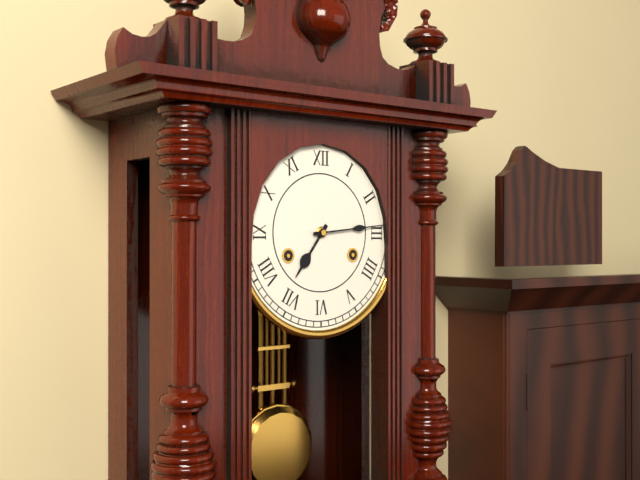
7:14
